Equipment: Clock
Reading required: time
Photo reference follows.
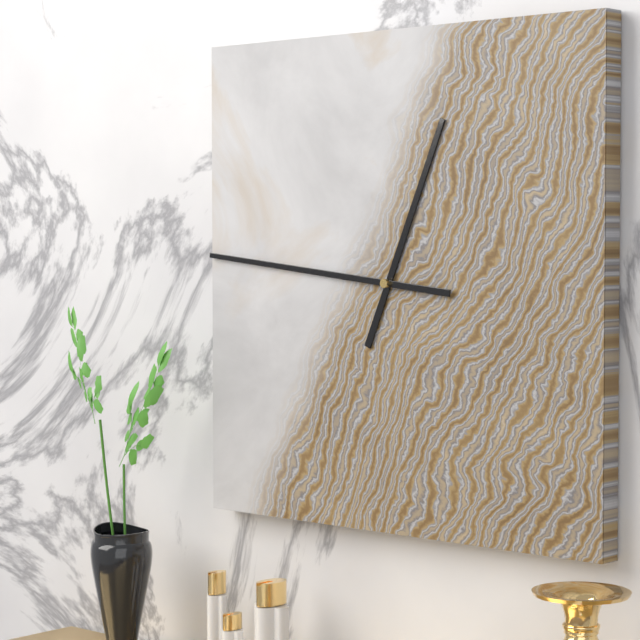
12:46
